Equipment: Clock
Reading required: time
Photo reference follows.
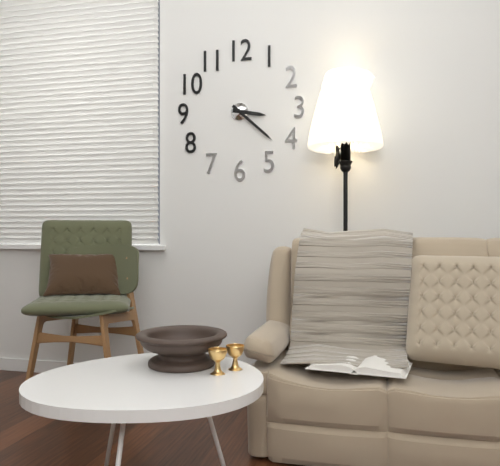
3:22
